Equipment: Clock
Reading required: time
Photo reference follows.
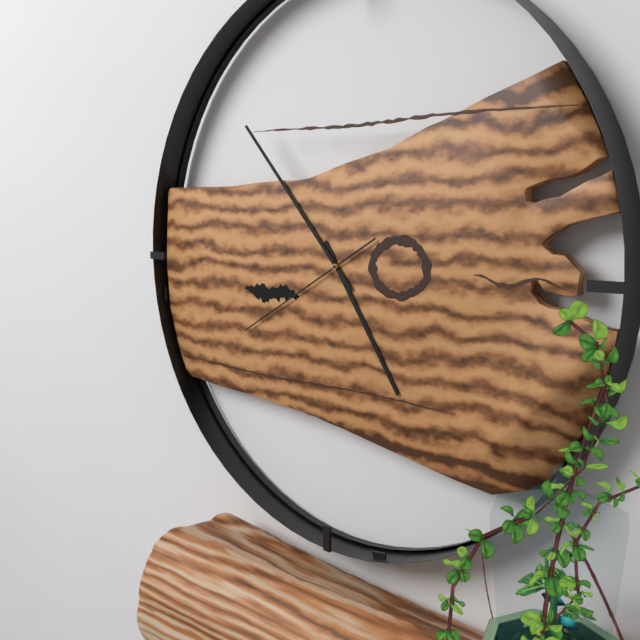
4:53:40
